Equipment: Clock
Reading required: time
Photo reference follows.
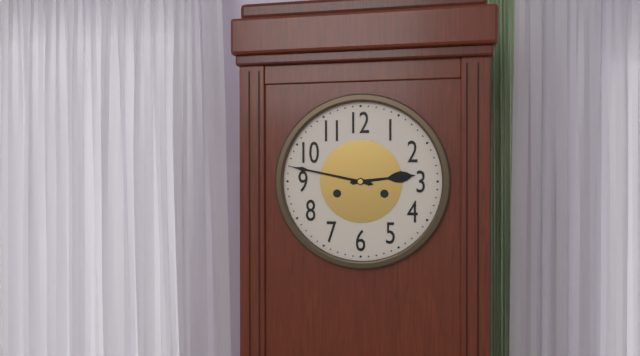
2:47
